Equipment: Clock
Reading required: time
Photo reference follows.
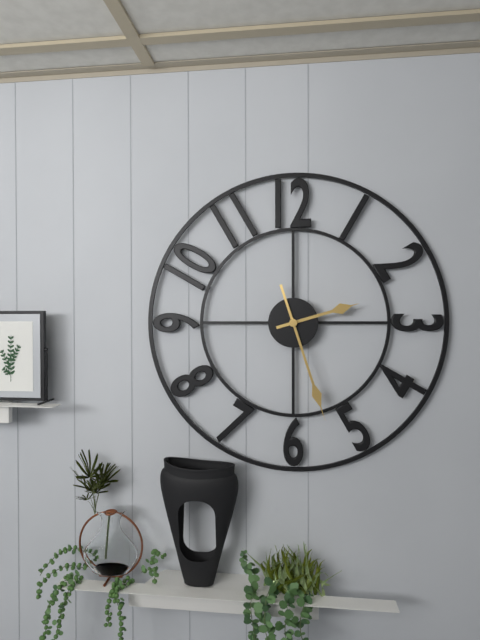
2:27
